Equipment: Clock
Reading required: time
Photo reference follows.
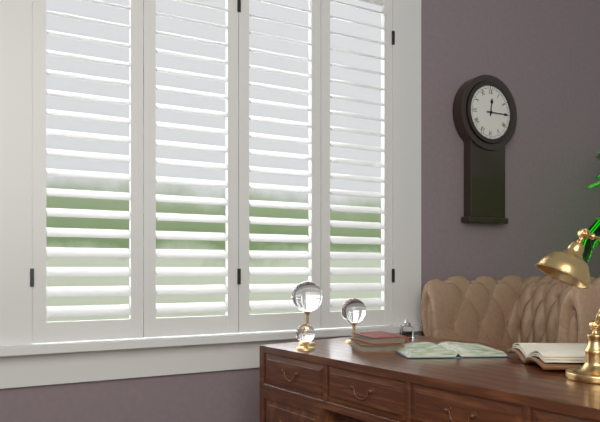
12:15
